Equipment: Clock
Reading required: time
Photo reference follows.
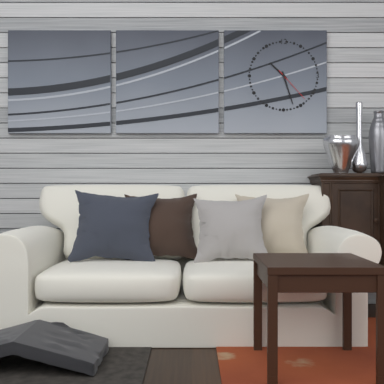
10:27
